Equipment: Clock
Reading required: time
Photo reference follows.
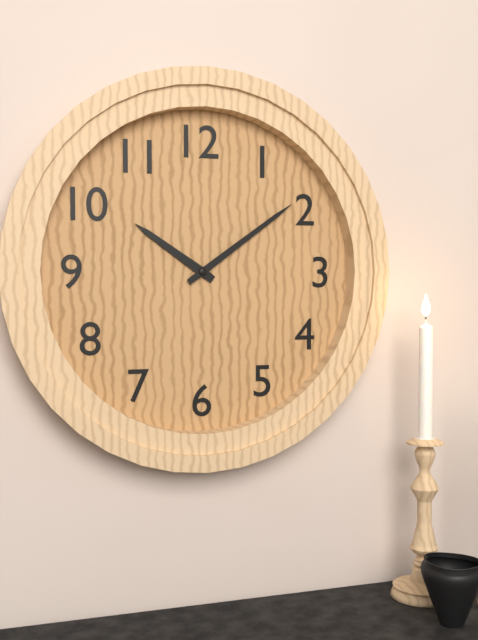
10:09
